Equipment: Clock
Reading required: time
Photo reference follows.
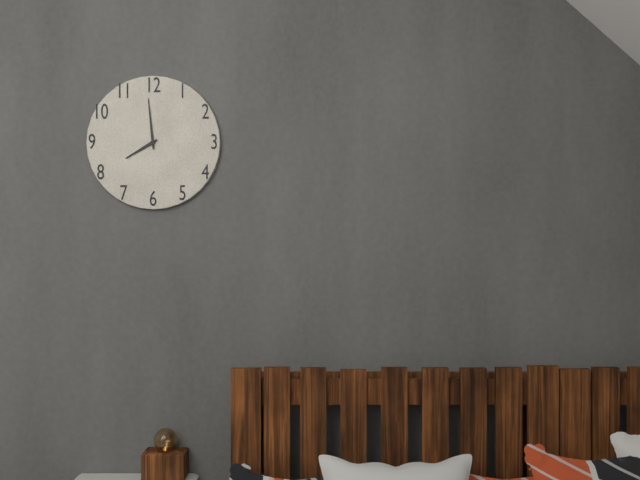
7:59
